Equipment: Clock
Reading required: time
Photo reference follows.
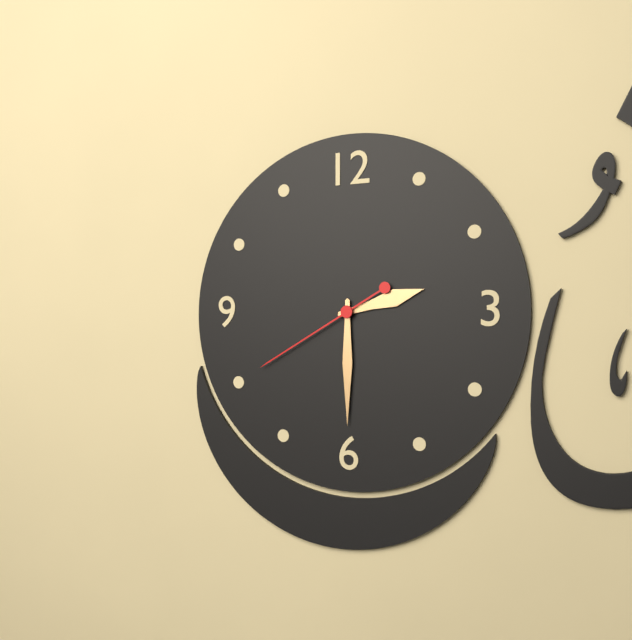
2:30:40
